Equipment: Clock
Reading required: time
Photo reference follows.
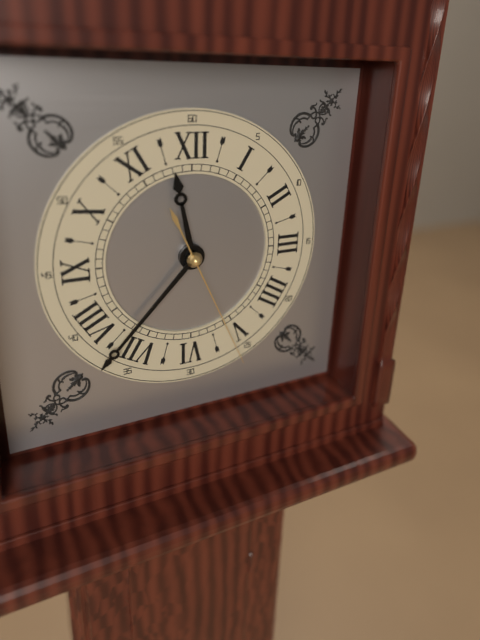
11:37:26
